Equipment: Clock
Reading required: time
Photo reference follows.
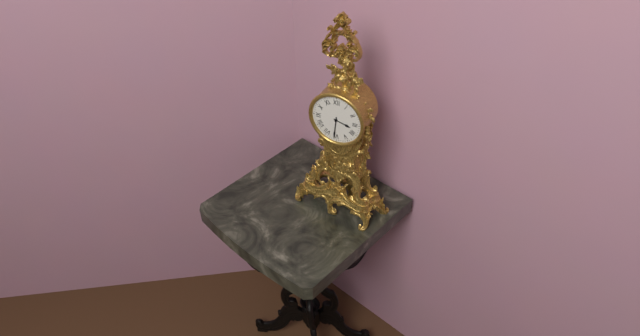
3:31
